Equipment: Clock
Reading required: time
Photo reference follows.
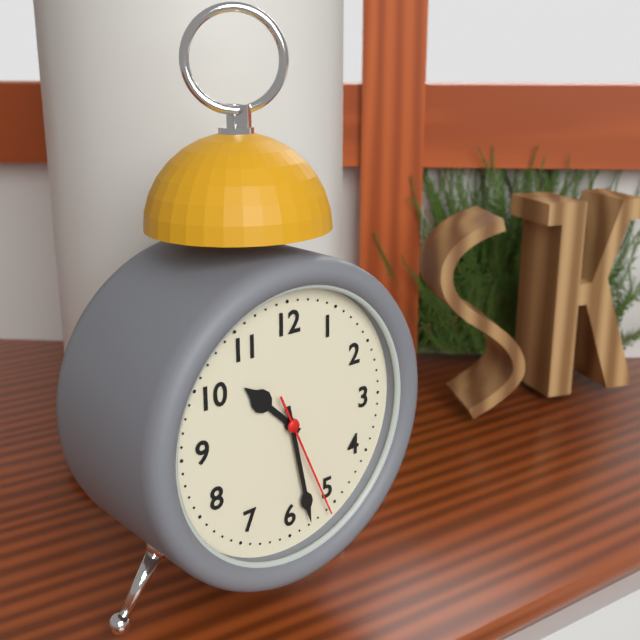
10:28:26
